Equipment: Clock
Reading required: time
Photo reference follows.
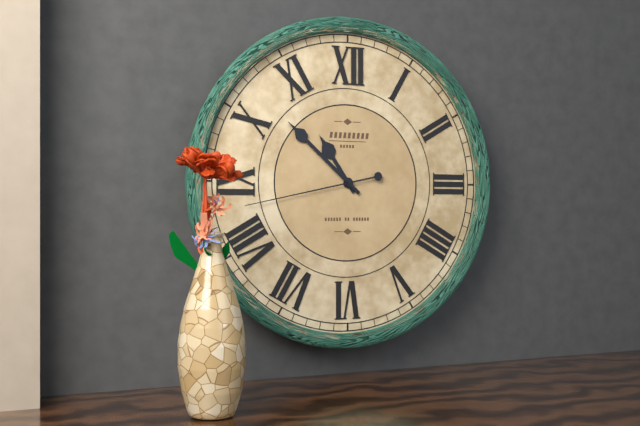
10:52:43
